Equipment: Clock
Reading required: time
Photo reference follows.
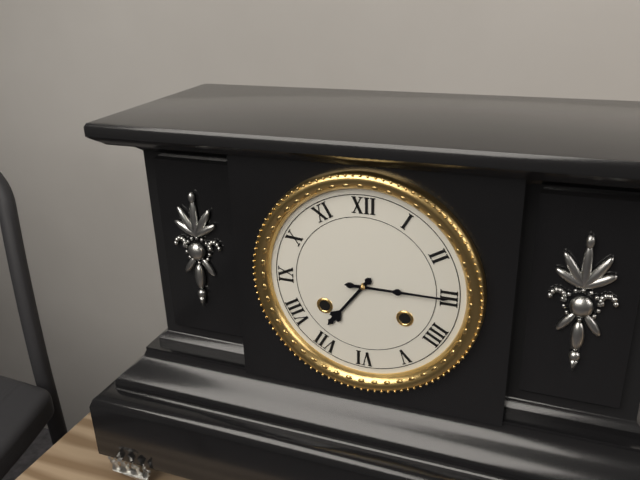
7:15
